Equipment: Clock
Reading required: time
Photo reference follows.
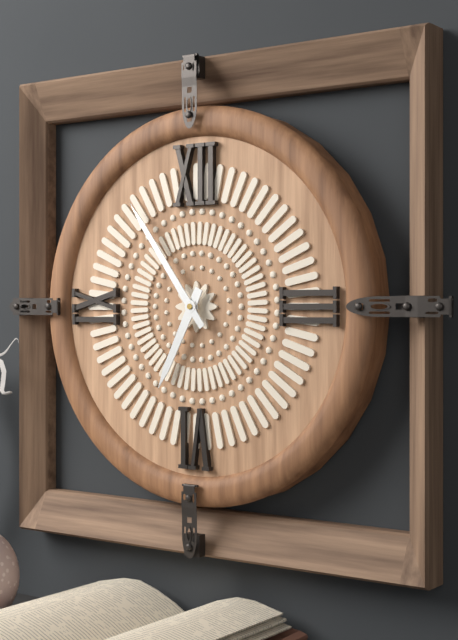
6:54
